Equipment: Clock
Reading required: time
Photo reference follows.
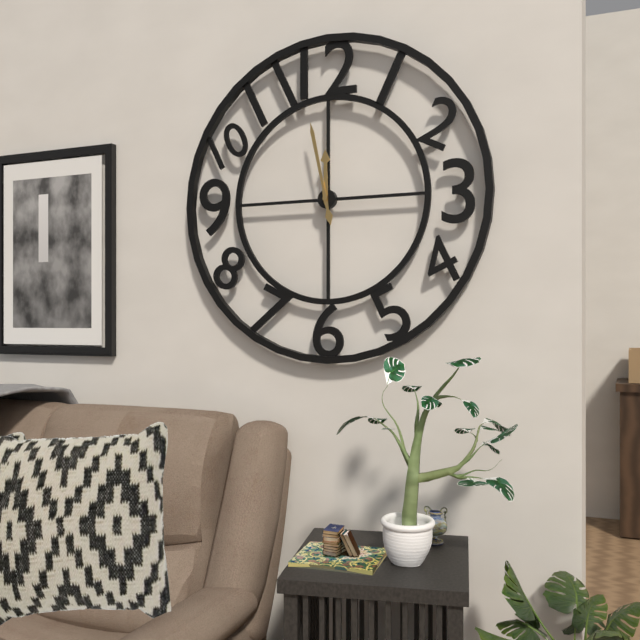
11:58
